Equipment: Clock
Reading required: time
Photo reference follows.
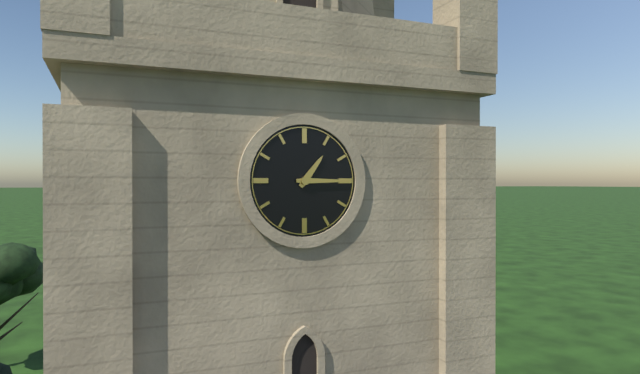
1:15
